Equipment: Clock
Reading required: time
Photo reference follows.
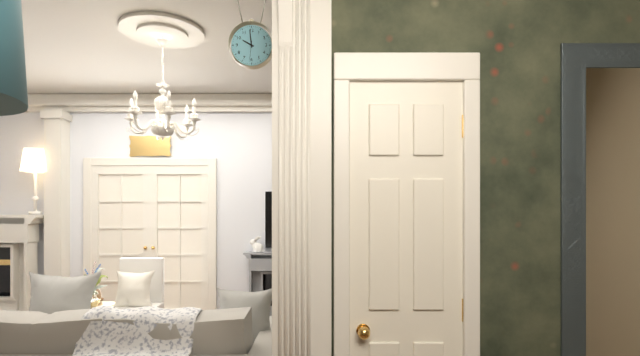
9:59
